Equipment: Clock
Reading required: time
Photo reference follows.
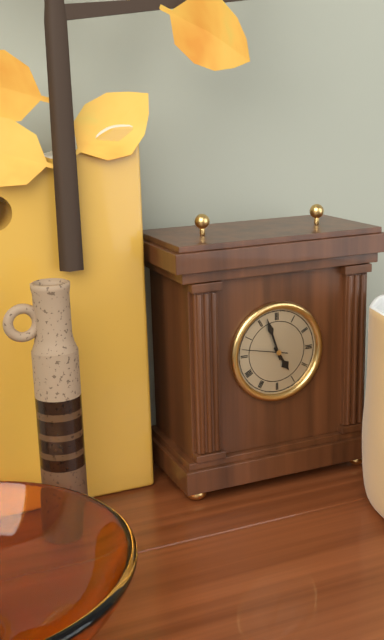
4:57
